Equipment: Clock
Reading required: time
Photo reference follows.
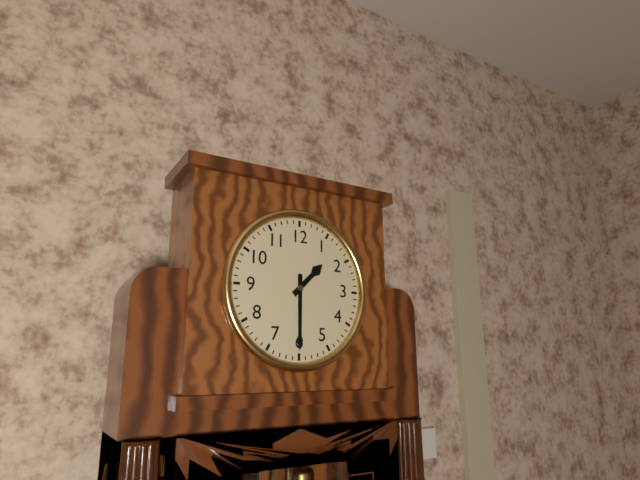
1:30
